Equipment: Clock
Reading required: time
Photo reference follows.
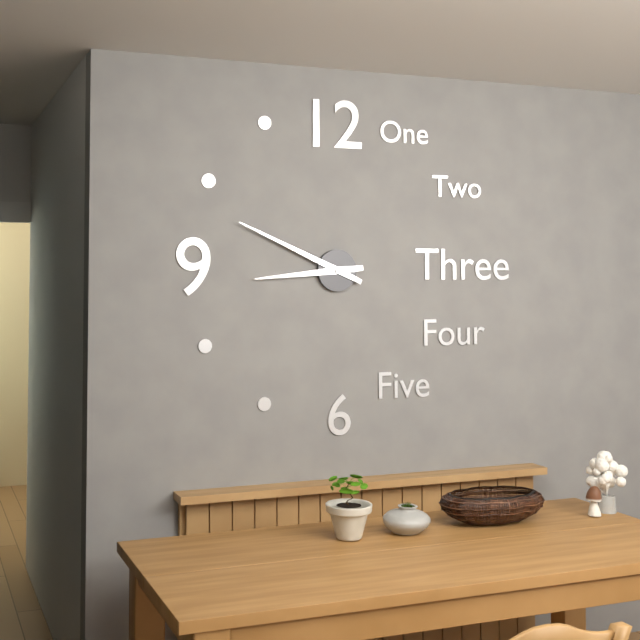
8:49
